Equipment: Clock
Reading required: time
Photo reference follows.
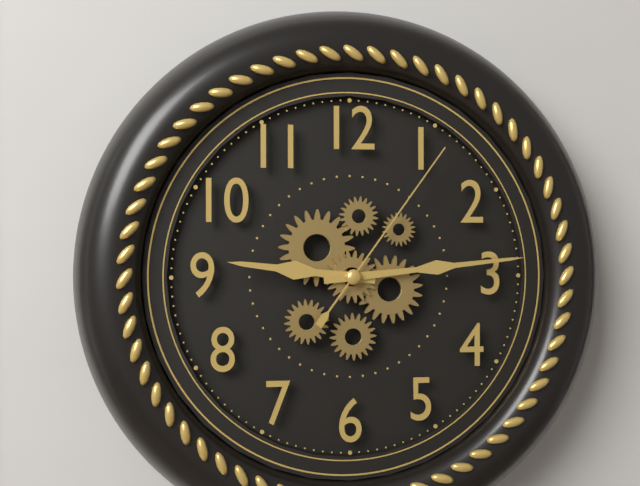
9:14:06
